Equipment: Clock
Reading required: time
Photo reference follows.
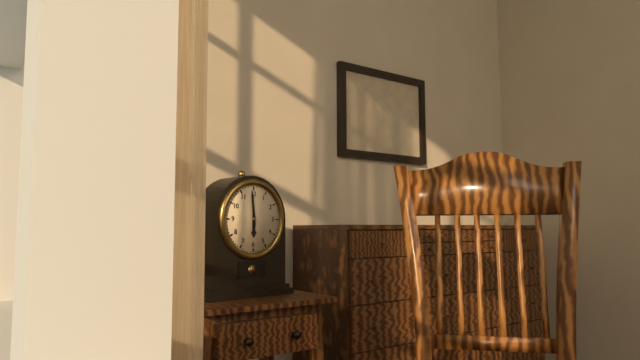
5:59
